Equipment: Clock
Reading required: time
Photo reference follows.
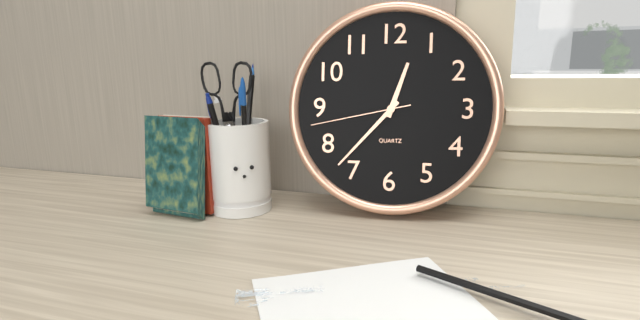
12:37:43
